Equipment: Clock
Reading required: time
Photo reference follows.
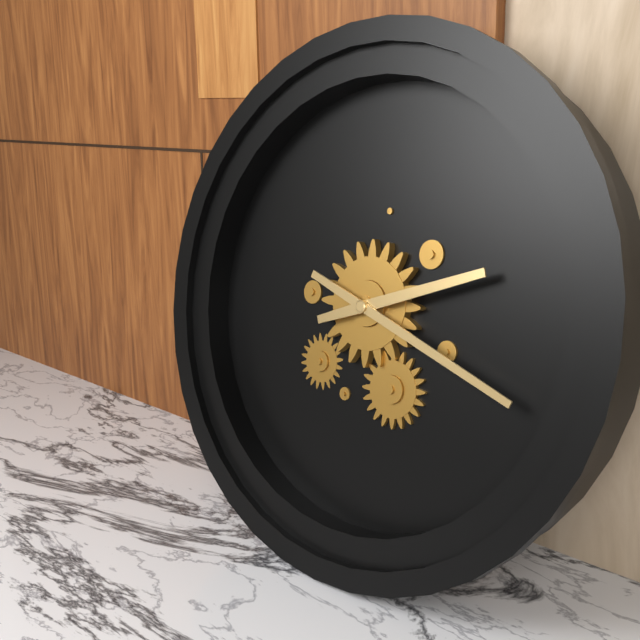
2:18
